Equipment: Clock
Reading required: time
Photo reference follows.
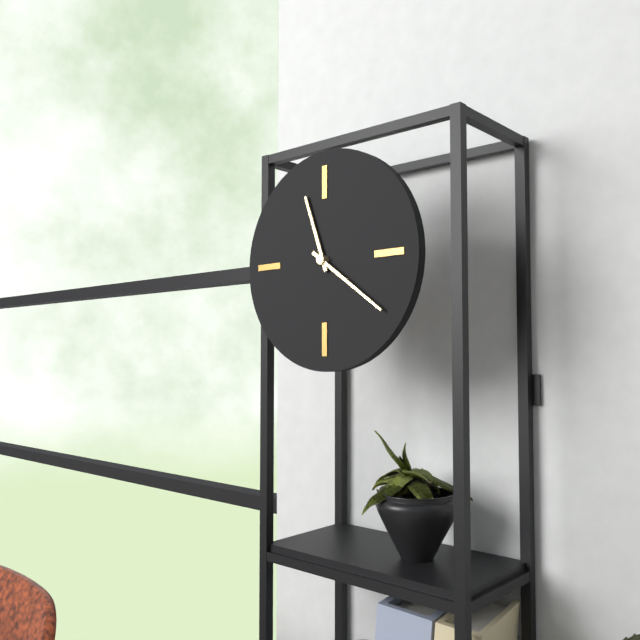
11:21
